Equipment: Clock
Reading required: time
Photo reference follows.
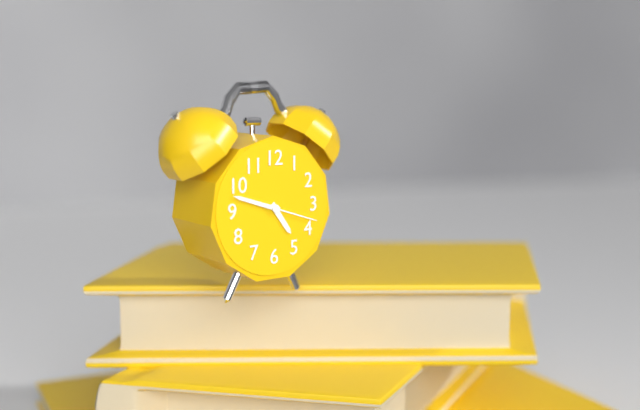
4:48:18
